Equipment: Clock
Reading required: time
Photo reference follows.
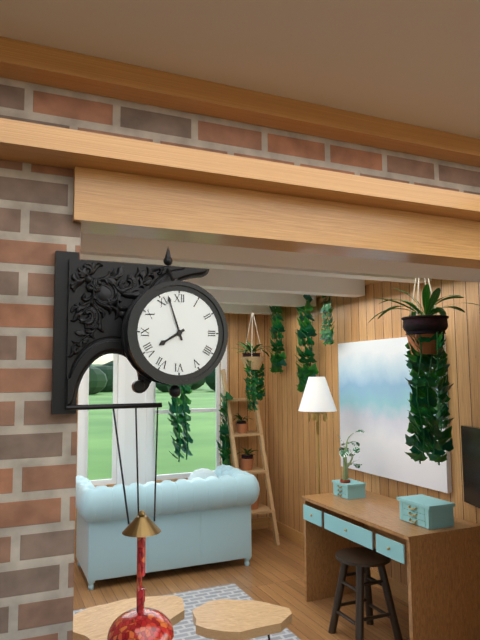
7:57
